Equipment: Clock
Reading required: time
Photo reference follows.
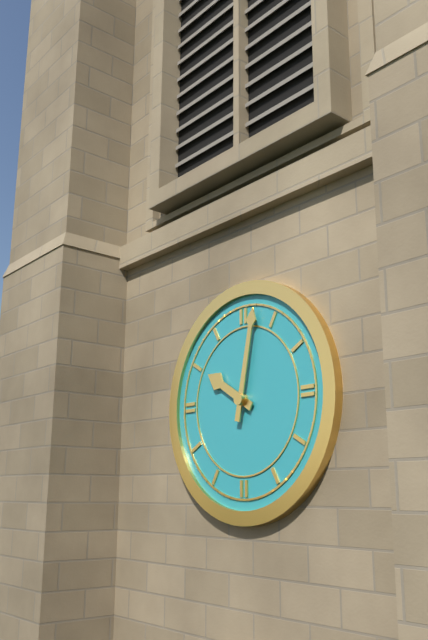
10:02
